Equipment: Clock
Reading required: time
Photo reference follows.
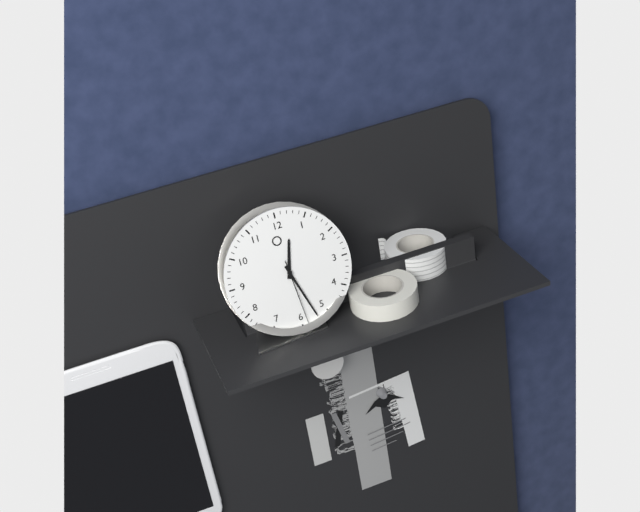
12:27:29
